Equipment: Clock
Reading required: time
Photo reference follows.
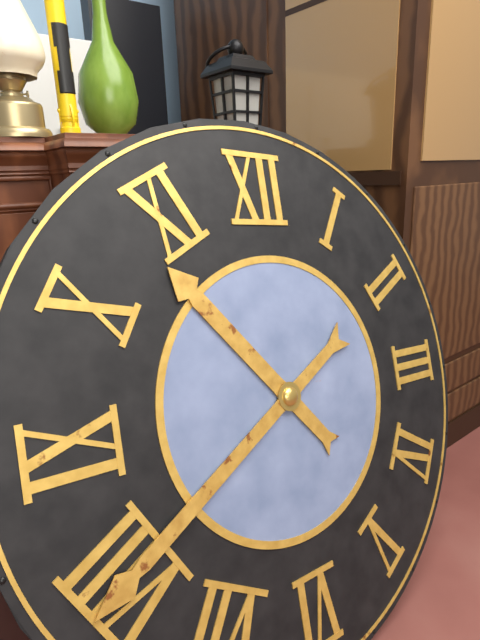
10:40
